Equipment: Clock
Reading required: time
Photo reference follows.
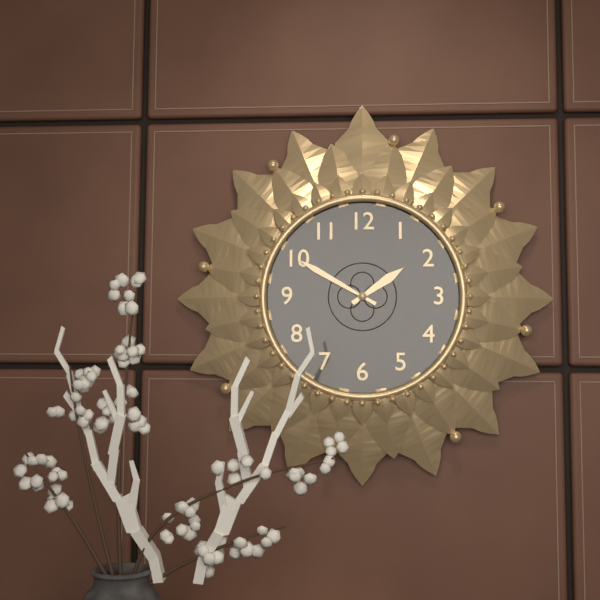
1:50
